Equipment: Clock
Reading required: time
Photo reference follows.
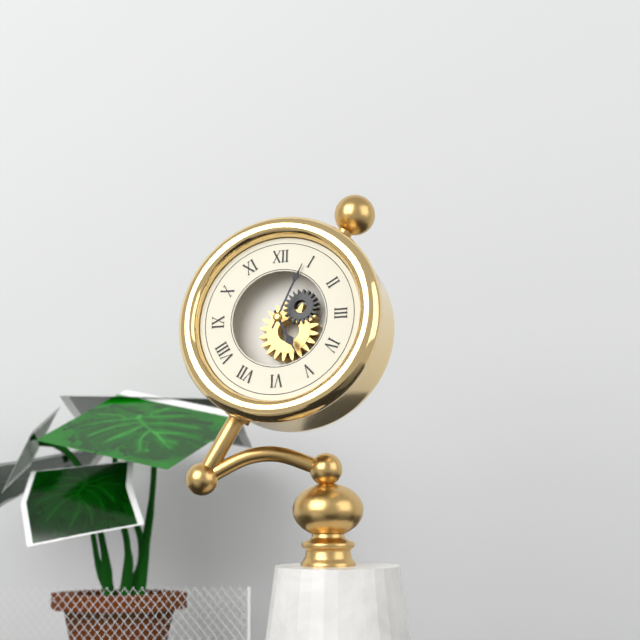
5:04
